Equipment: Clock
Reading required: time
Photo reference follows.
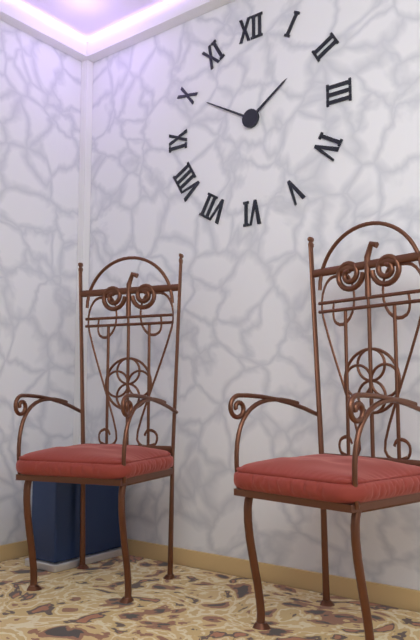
1:50
